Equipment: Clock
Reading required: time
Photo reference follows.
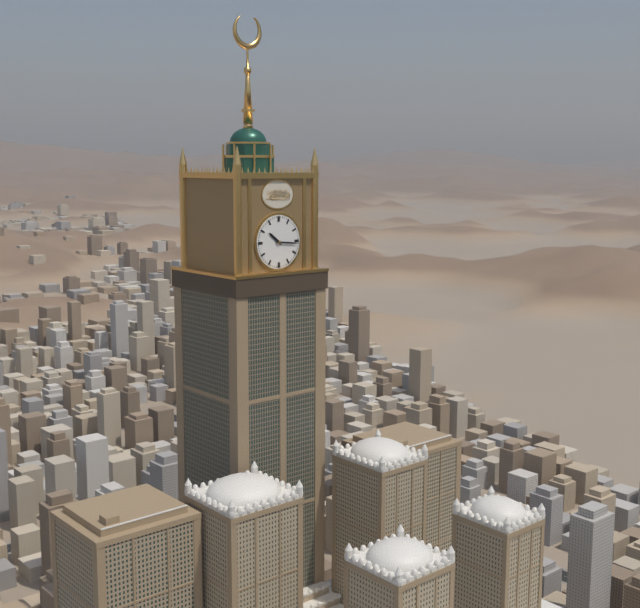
10:16
